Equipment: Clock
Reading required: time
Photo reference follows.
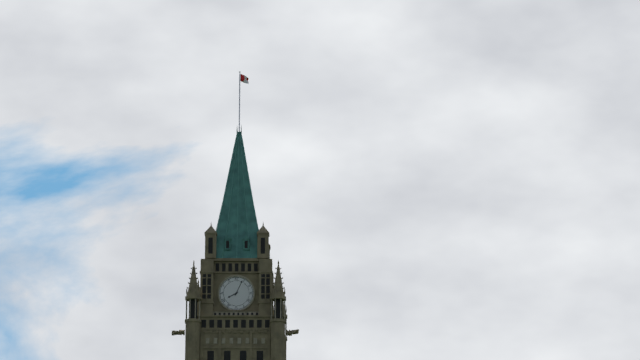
8:04
